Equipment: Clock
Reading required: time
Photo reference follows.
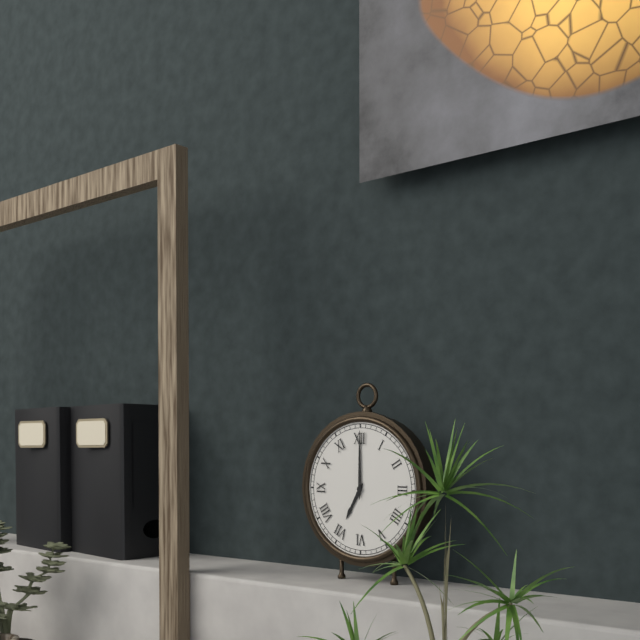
7:00
